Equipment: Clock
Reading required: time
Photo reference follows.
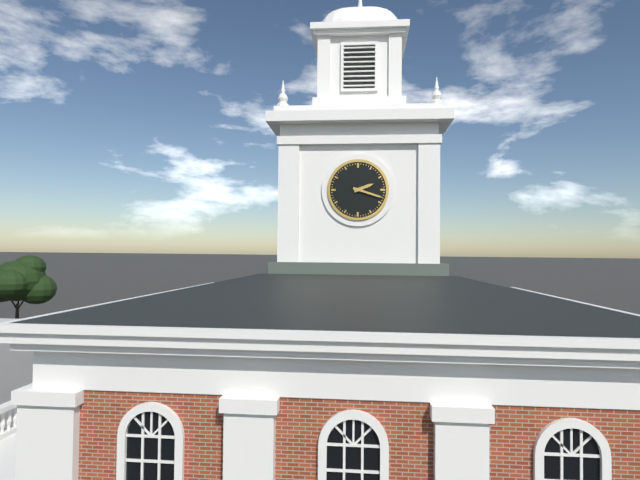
2:18
